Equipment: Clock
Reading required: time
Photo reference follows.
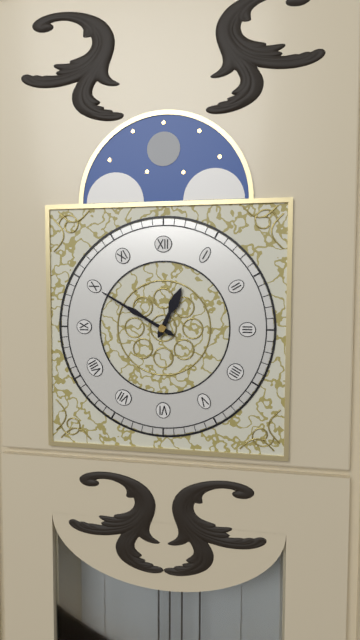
12:50
